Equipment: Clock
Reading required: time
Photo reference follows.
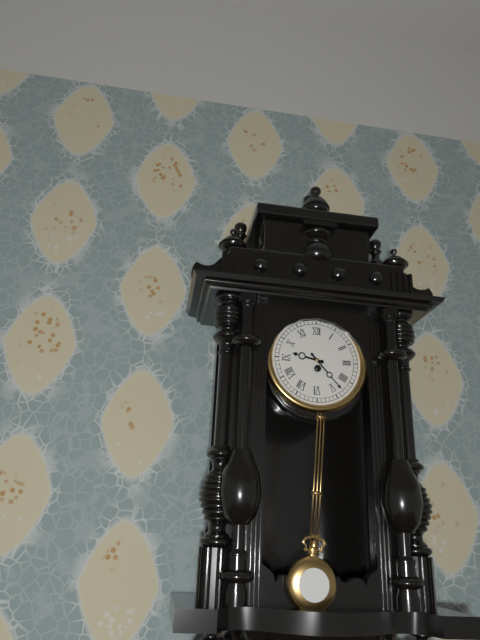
9:23
